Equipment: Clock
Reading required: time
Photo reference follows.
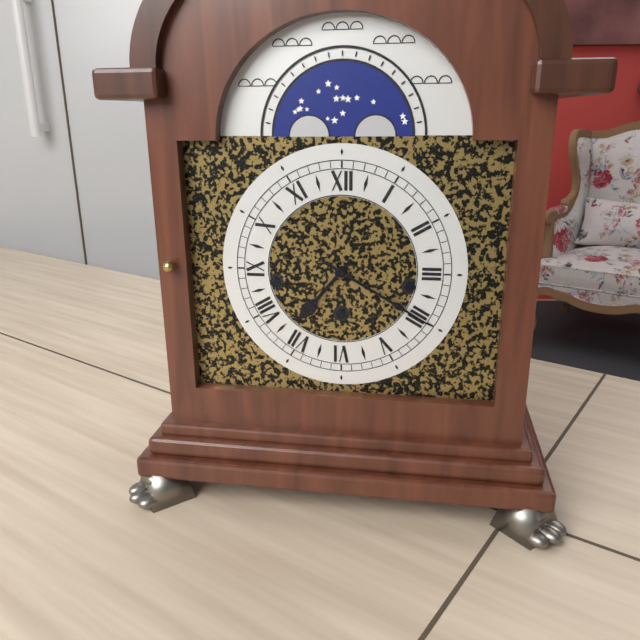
7:20
